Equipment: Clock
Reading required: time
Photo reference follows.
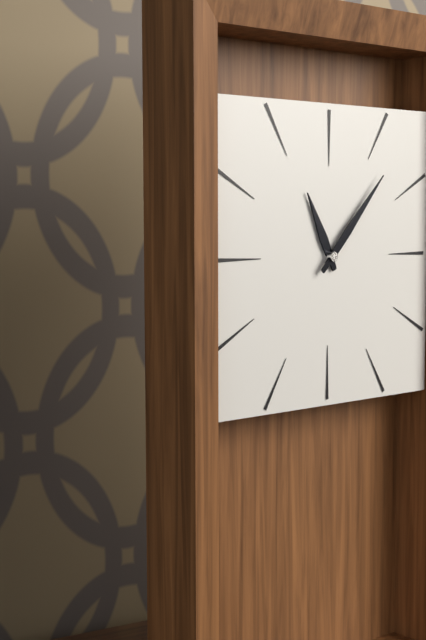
11:07
